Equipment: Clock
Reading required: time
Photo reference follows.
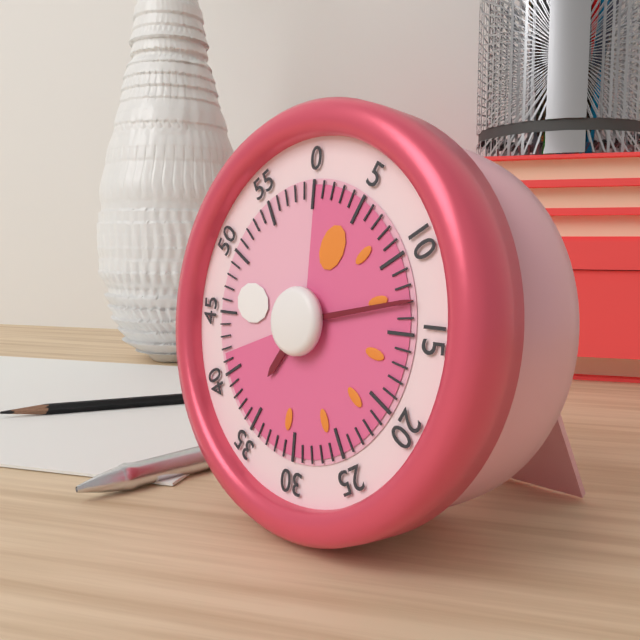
7:13
